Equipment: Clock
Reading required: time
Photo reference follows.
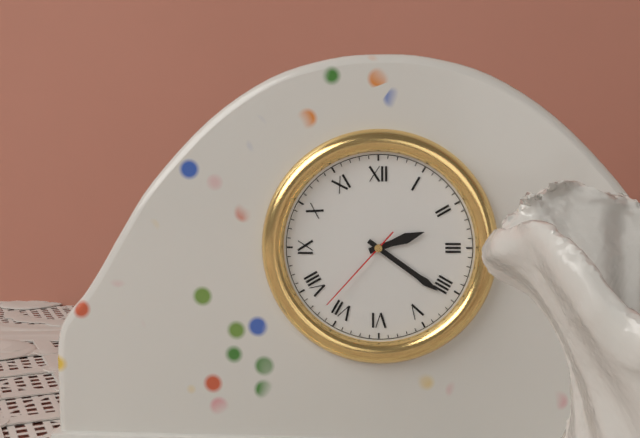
2:21:37
